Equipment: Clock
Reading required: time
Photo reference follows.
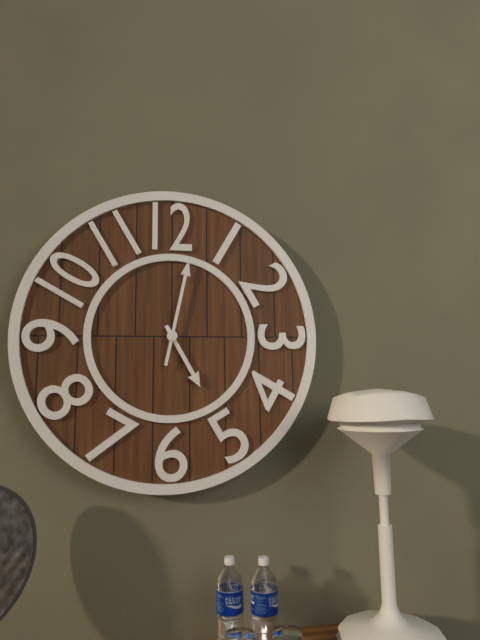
5:02
